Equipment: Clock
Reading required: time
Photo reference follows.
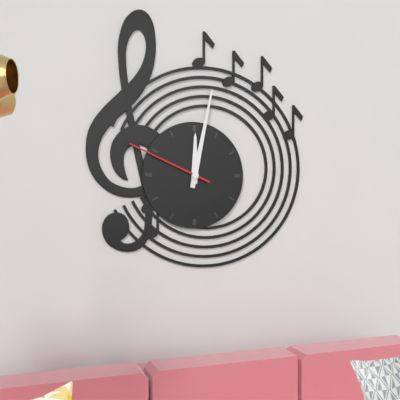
12:02:49
